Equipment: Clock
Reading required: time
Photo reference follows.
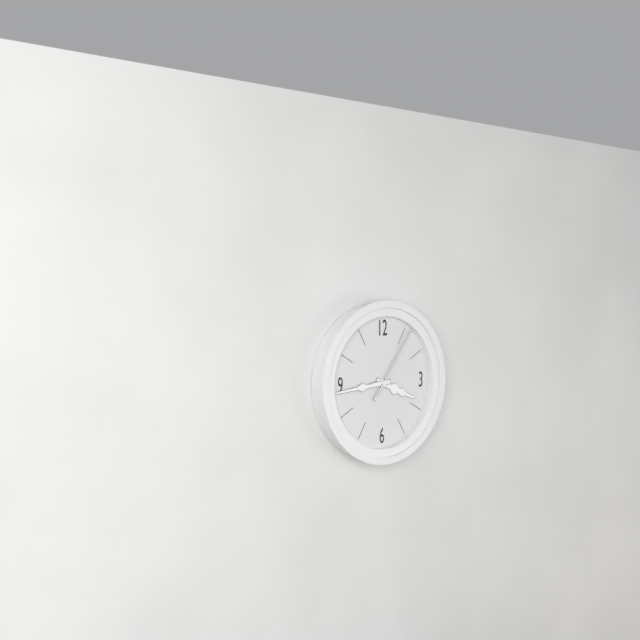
3:44:06
